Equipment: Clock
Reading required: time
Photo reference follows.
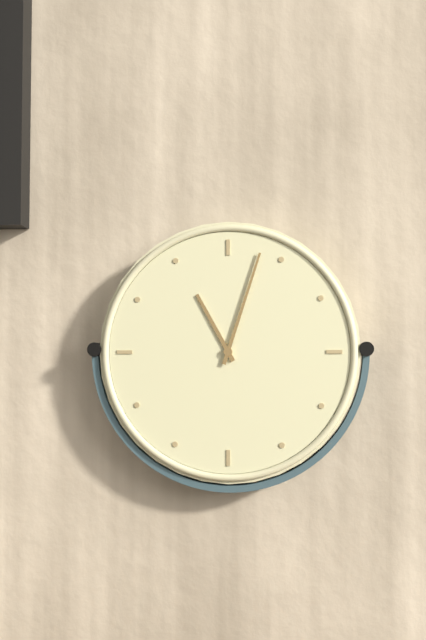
11:03
